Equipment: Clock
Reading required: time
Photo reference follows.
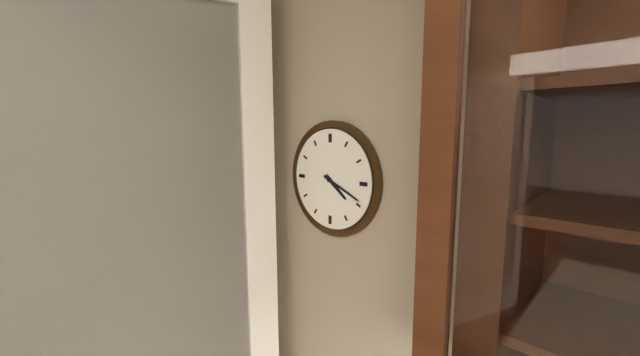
4:19
